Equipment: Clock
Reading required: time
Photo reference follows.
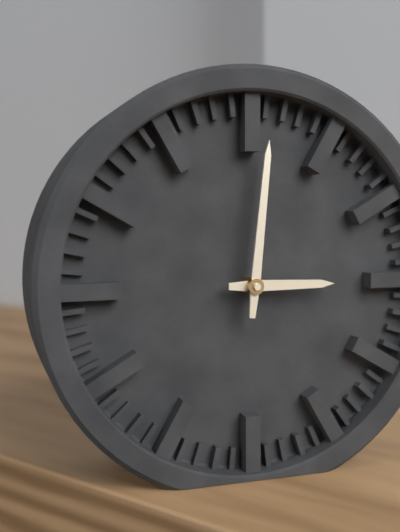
3:01
